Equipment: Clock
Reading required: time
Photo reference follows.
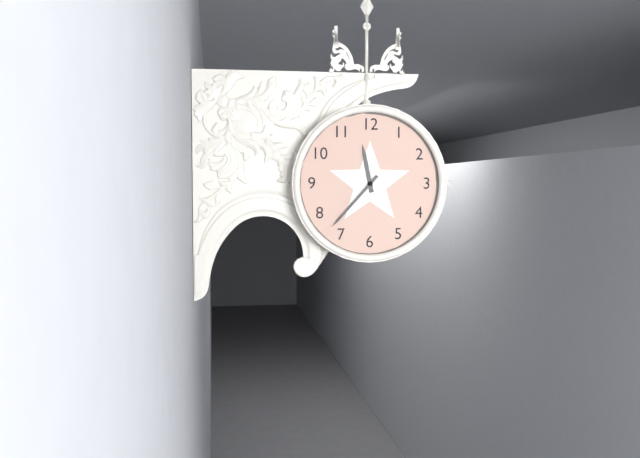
11:37
